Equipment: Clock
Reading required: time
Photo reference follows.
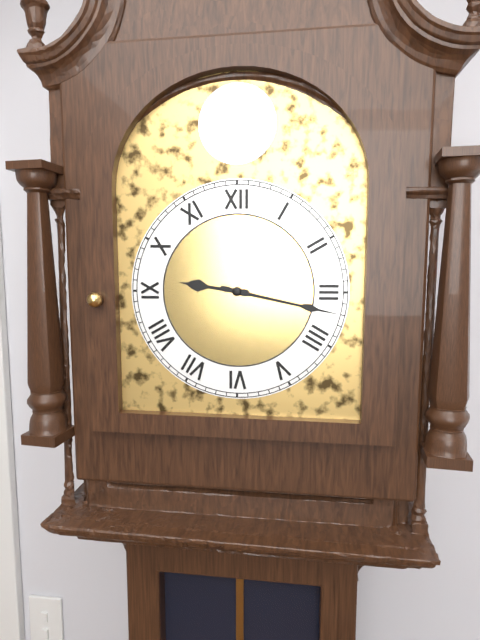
9:17
